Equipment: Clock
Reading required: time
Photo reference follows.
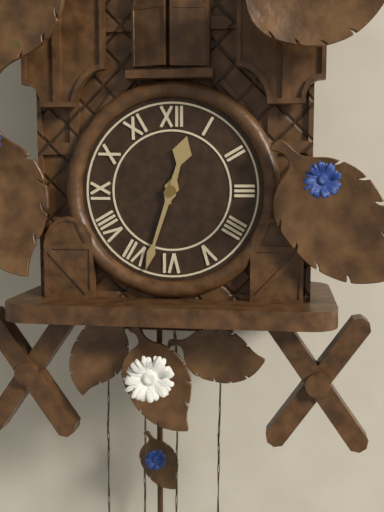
12:33
